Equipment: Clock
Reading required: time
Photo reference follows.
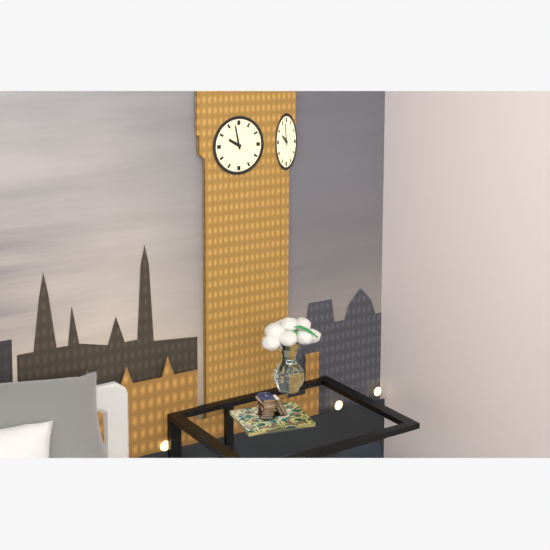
9:58
